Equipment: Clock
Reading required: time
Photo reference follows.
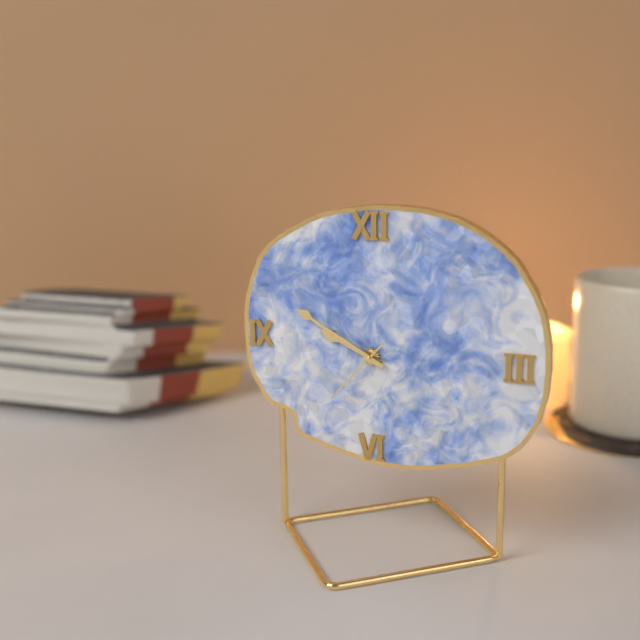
9:50:37
